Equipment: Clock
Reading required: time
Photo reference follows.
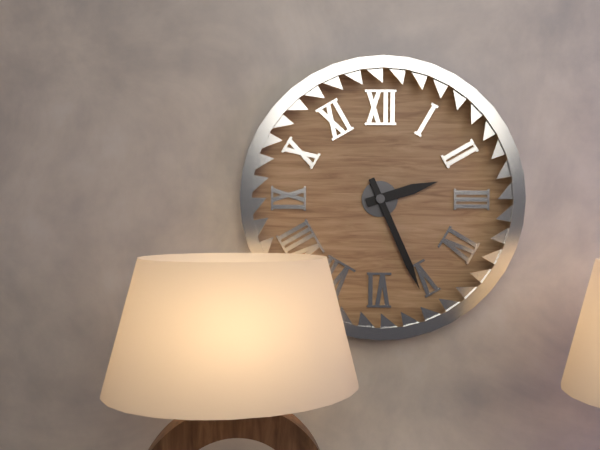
2:26
